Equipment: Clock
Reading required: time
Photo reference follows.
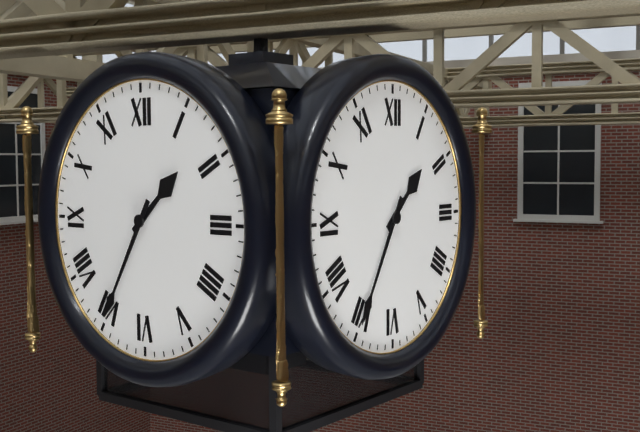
1:35
